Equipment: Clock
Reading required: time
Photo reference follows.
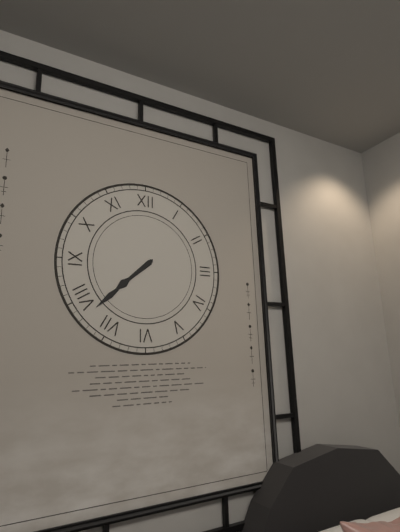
7:38
